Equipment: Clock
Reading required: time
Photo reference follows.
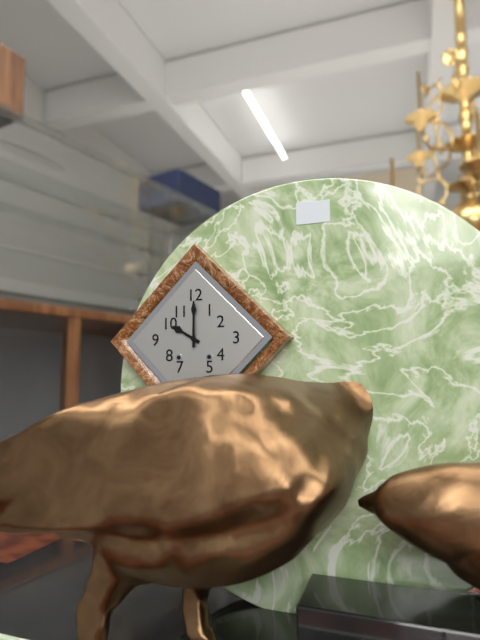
10:00
